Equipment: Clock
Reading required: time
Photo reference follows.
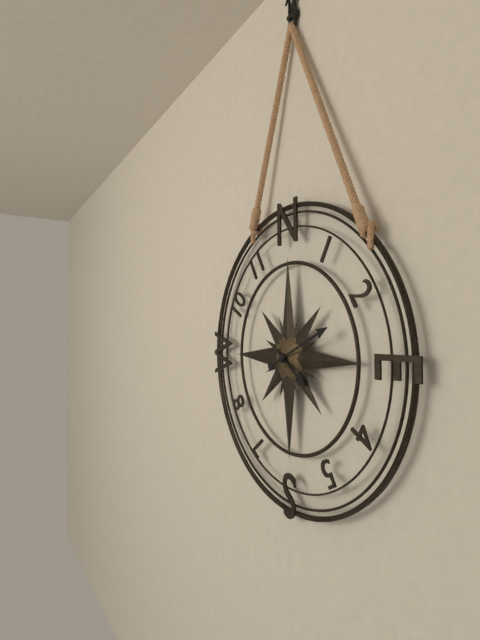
4:11
